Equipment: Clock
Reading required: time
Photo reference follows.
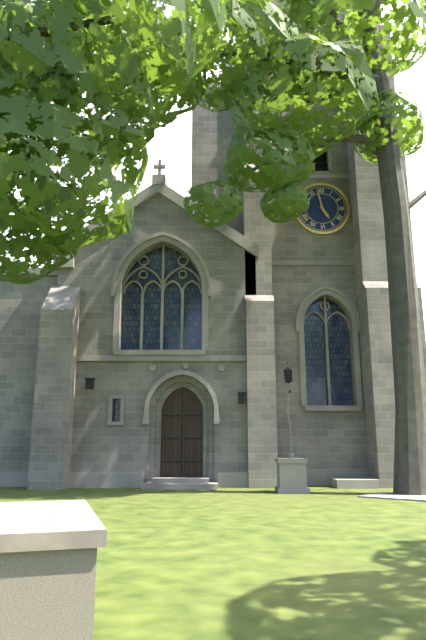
4:58
